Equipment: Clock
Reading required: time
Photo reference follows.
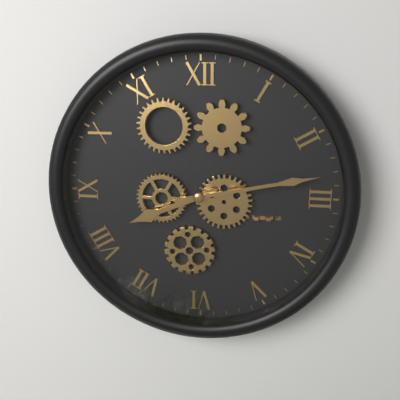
8:13
